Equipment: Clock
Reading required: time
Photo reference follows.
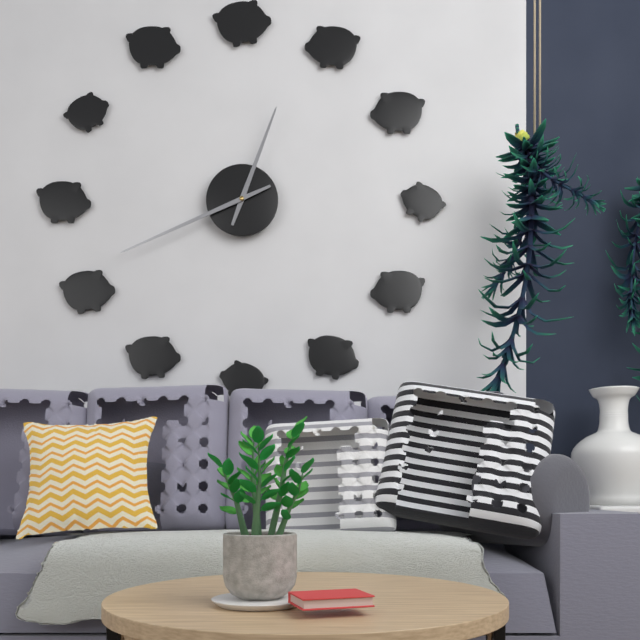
12:41
